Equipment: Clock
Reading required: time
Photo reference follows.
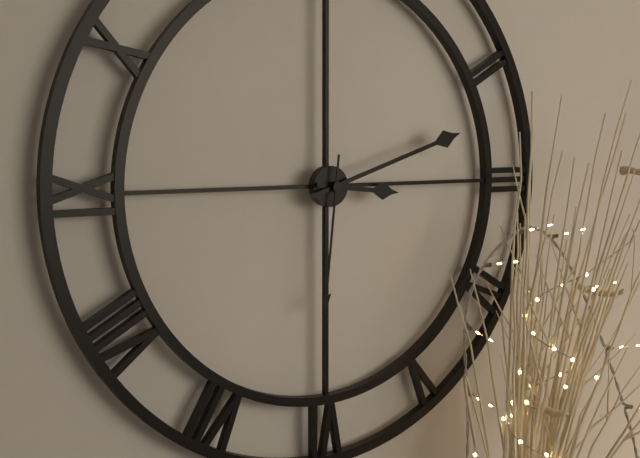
3:12:31
